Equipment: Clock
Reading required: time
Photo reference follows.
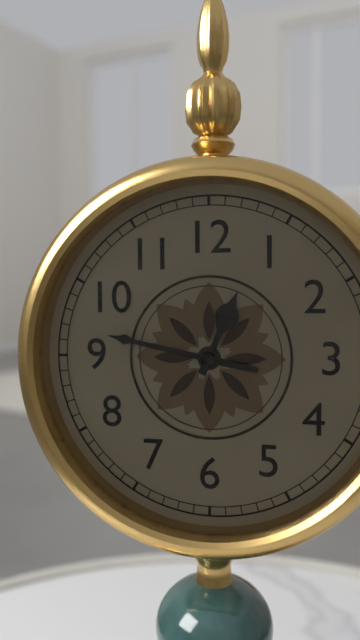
12:47
